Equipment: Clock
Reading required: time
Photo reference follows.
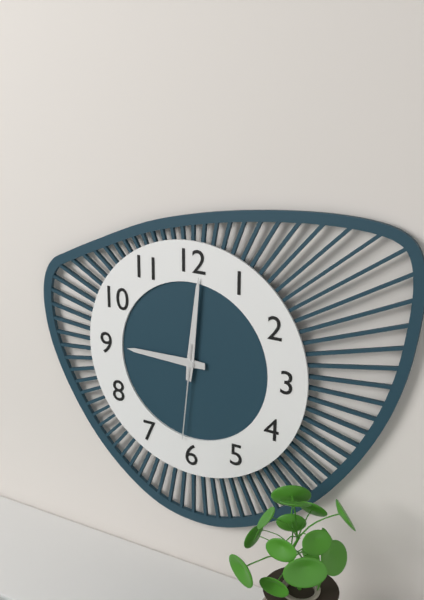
9:01:31
